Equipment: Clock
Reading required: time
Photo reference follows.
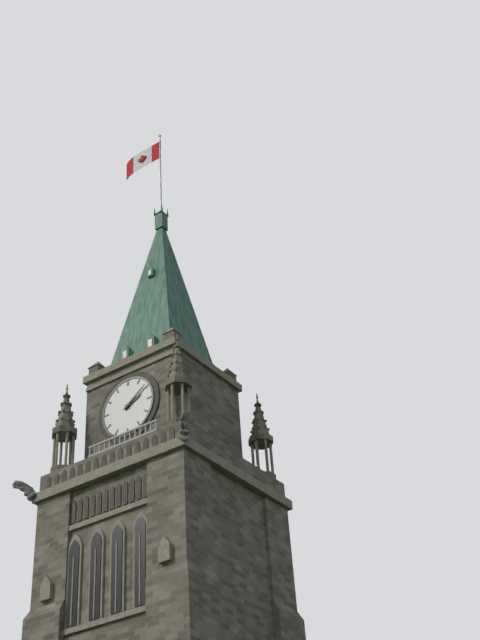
2:09
